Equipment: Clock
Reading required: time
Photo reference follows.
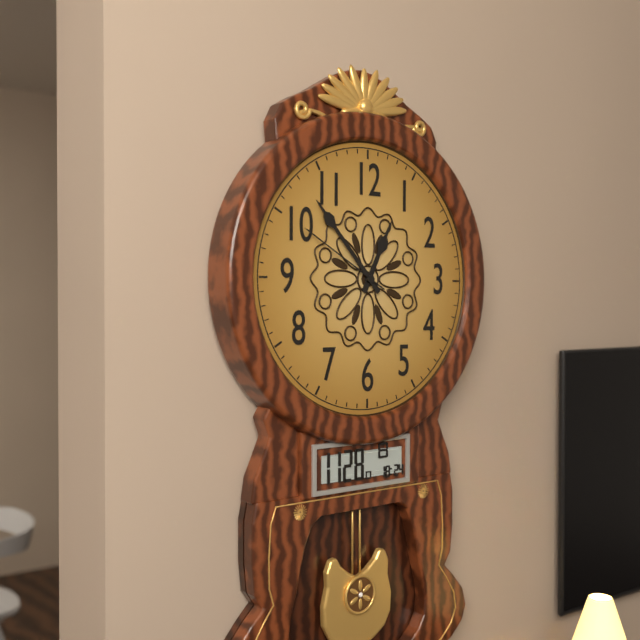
12:53:50
